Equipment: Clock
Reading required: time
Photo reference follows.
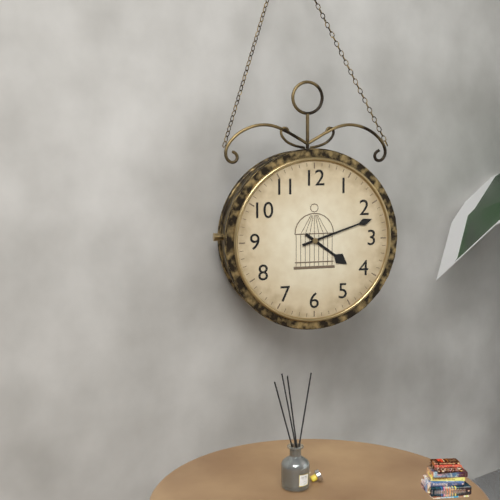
4:12
